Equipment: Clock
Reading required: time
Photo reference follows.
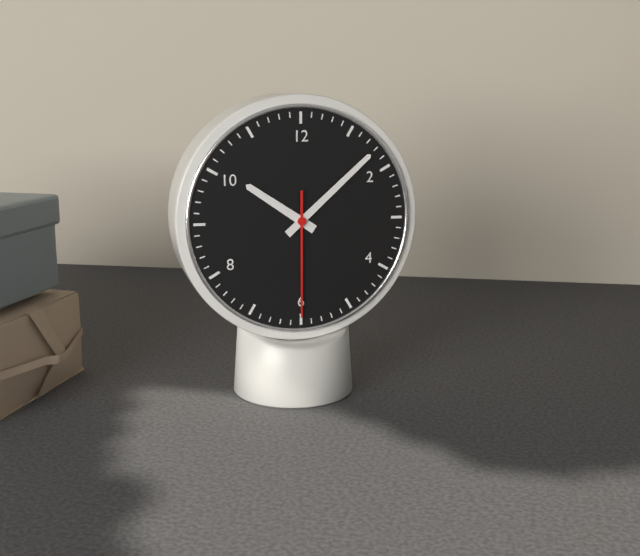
10:08:30
